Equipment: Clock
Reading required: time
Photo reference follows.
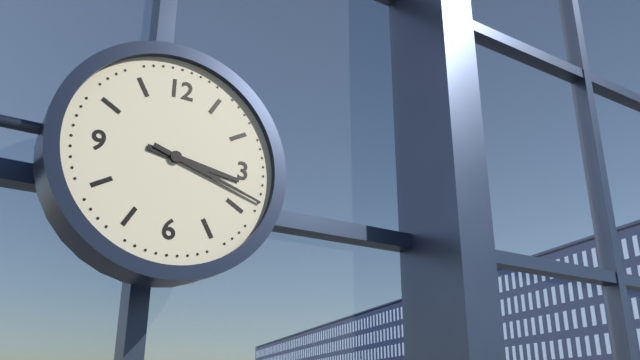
3:18
